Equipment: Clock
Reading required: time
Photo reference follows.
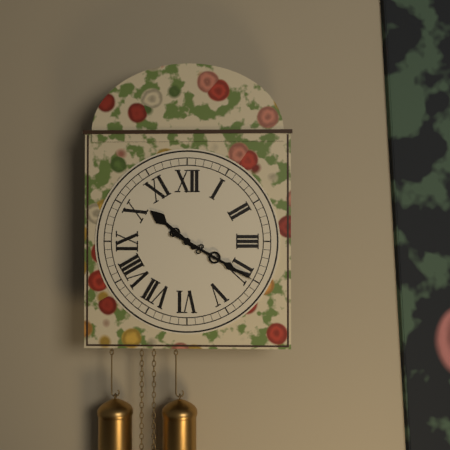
10:20
